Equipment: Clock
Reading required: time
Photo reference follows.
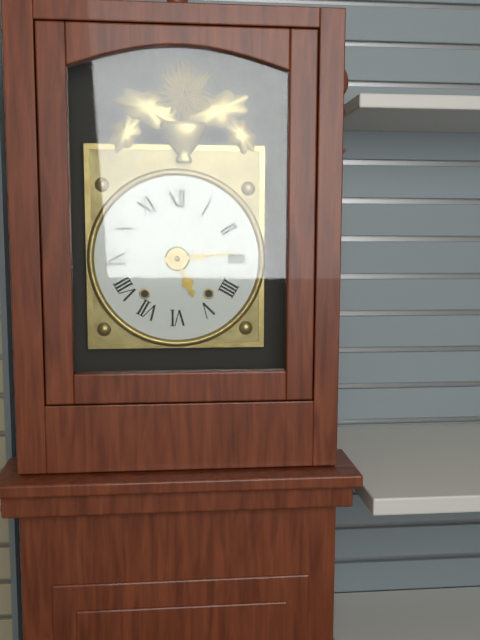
5:14
